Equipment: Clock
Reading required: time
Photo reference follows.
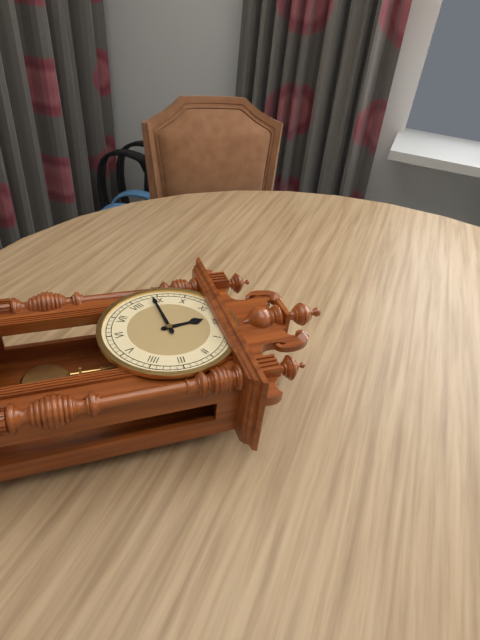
11:44
